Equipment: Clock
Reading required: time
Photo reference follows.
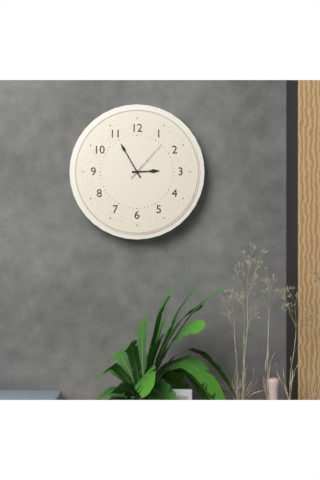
2:55
